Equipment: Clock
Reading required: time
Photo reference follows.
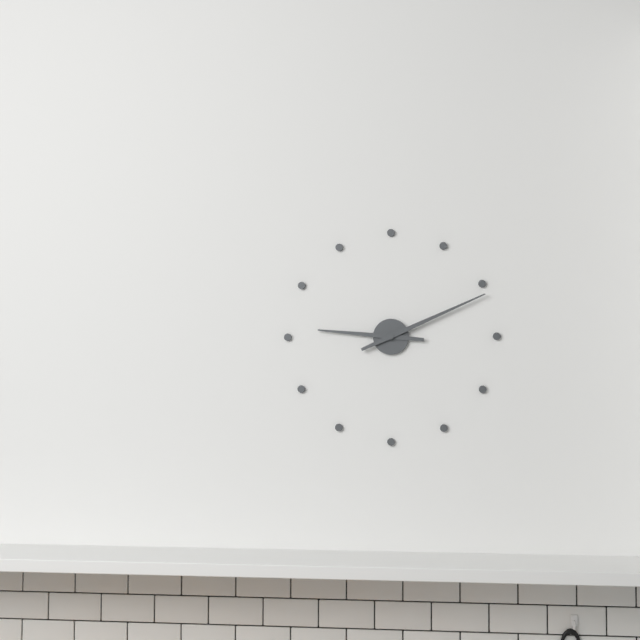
9:11
